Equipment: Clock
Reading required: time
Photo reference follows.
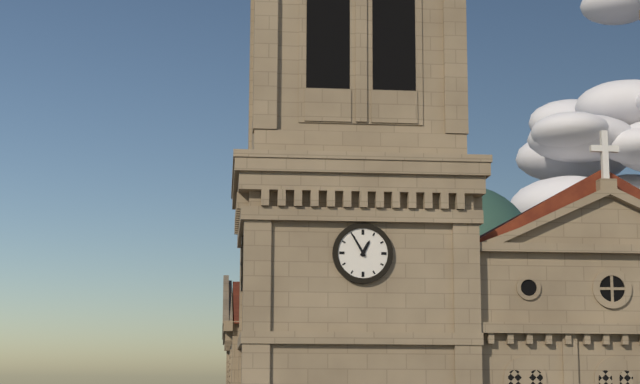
12:55
